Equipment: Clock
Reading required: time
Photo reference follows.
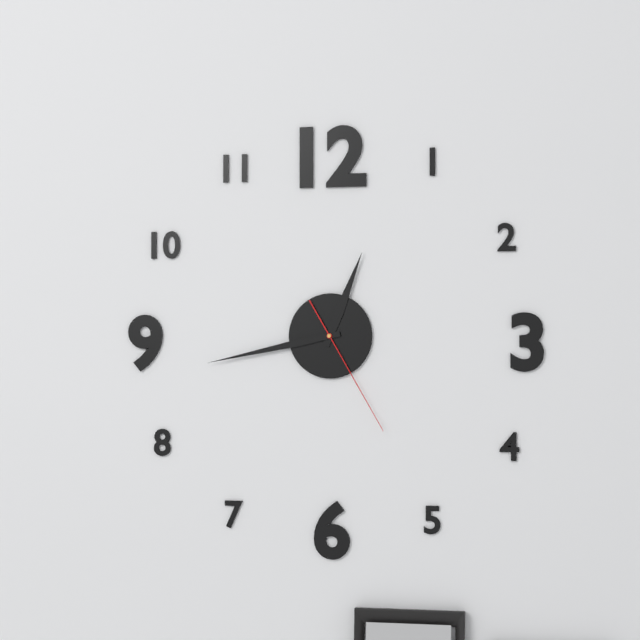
12:43:25
